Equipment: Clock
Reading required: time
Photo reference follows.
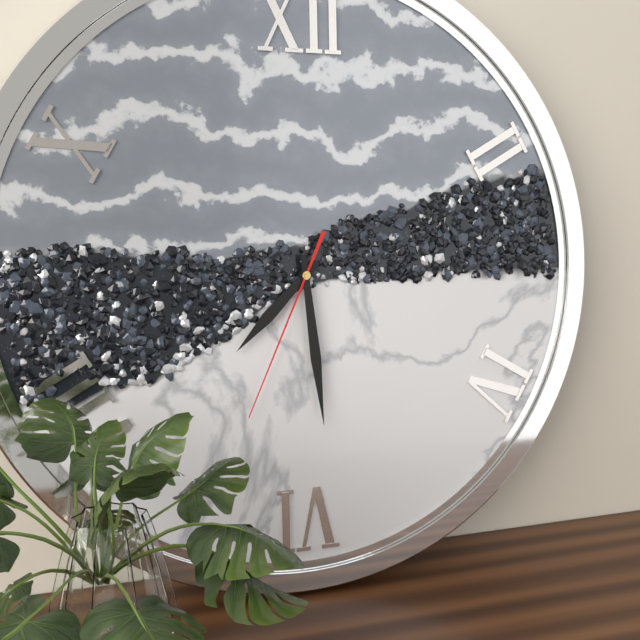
7:29:34
